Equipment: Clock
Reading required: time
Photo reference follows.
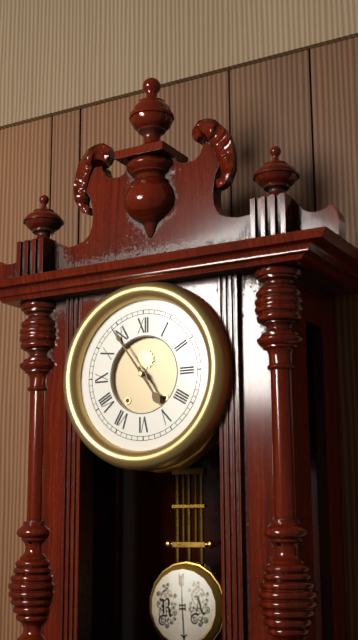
4:54
